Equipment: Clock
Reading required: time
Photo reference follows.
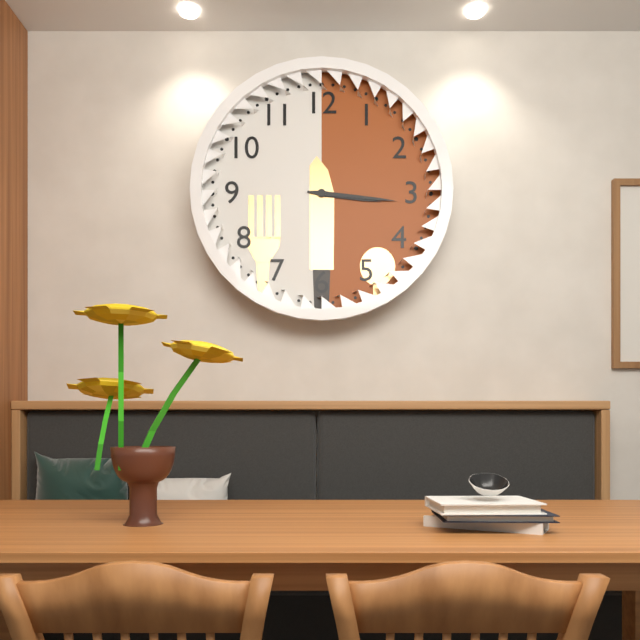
3:16
